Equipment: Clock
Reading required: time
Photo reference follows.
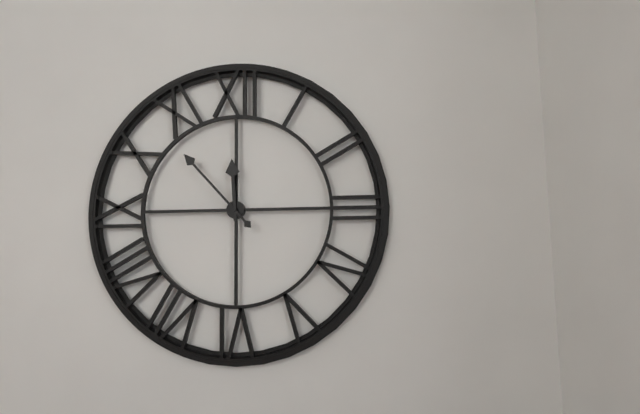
11:53
